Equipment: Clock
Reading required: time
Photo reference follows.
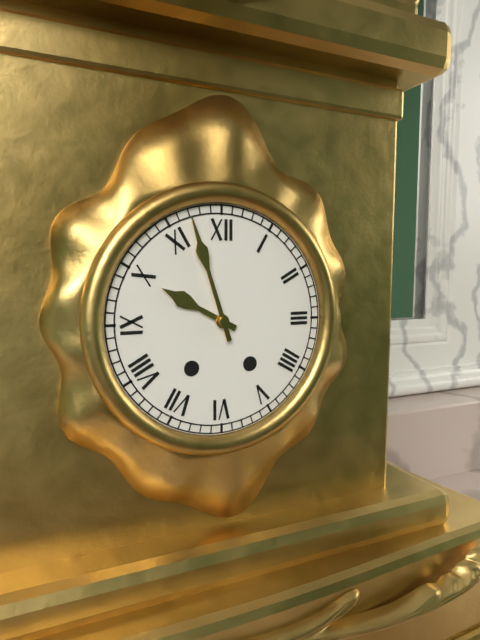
9:57
